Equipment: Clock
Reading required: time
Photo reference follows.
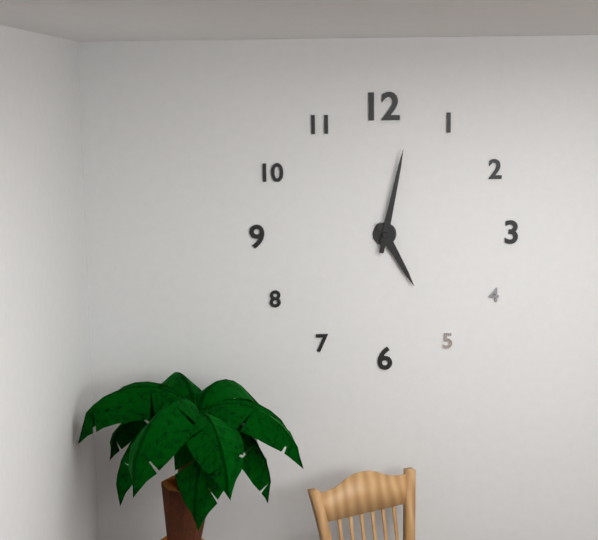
5:02
